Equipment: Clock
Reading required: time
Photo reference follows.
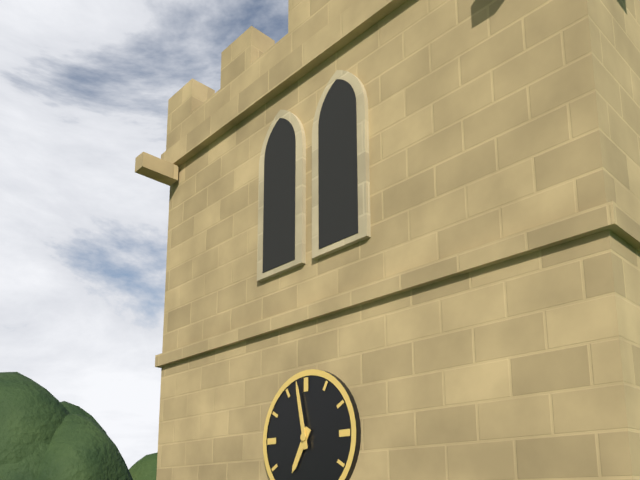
6:58
